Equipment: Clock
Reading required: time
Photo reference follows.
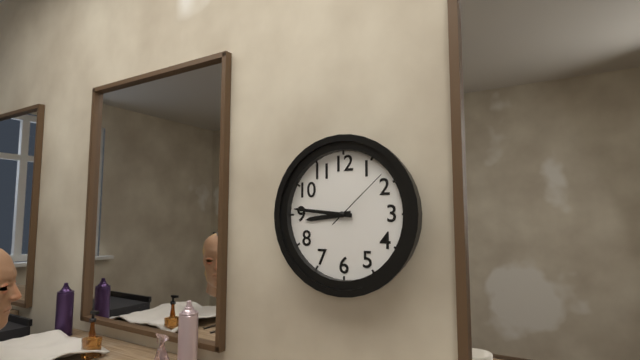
8:46:08
